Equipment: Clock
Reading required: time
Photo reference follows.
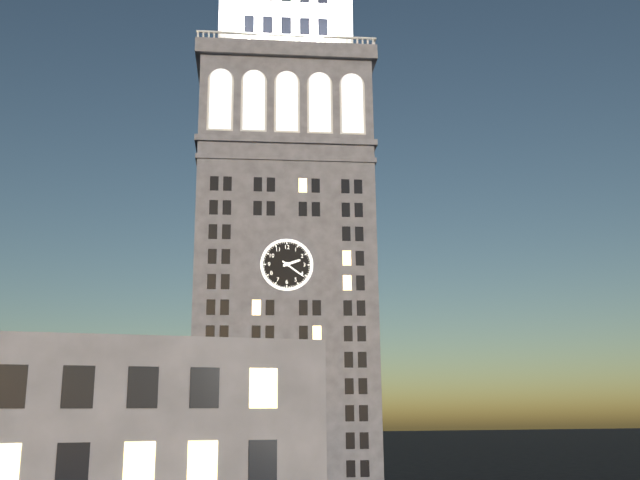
2:21
